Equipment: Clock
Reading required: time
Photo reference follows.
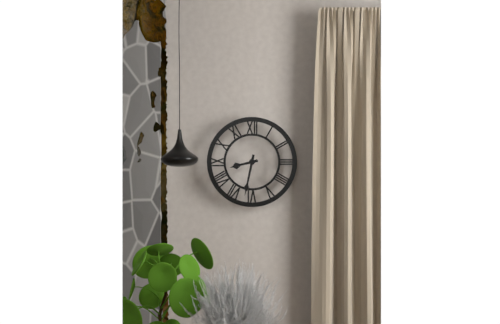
8:32
